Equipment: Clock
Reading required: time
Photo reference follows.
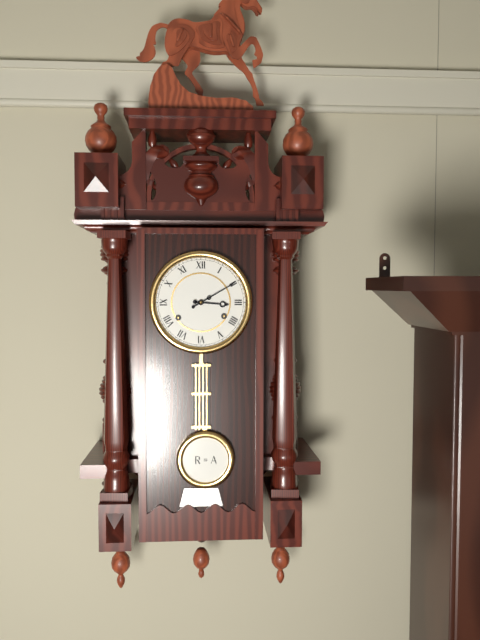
3:10
